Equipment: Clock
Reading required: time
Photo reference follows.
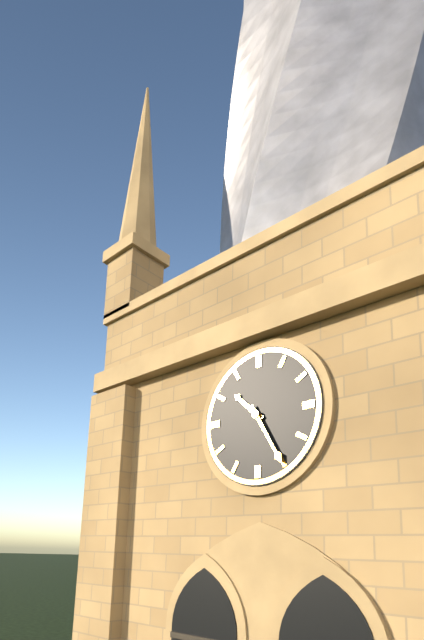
10:25
